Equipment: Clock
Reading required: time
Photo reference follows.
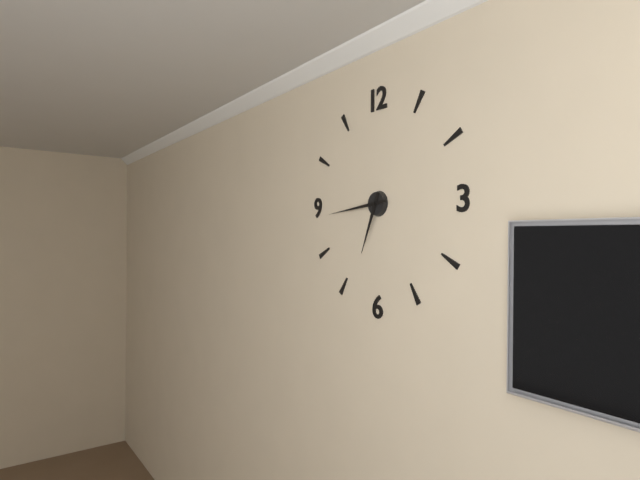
6:44
